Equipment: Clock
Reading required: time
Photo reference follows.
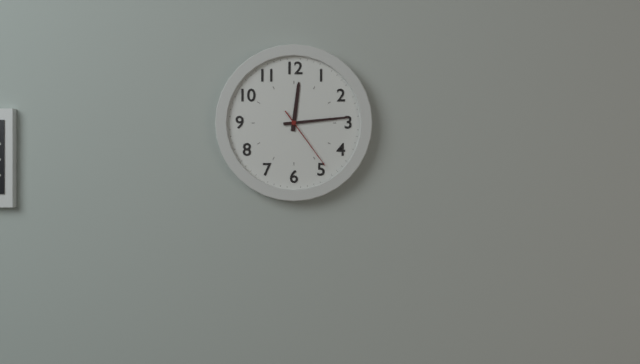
12:14:24
